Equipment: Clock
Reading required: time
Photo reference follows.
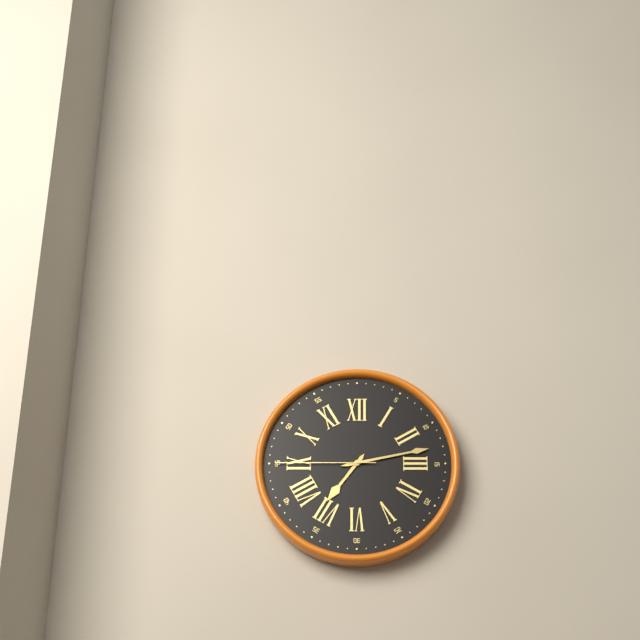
7:13:45
